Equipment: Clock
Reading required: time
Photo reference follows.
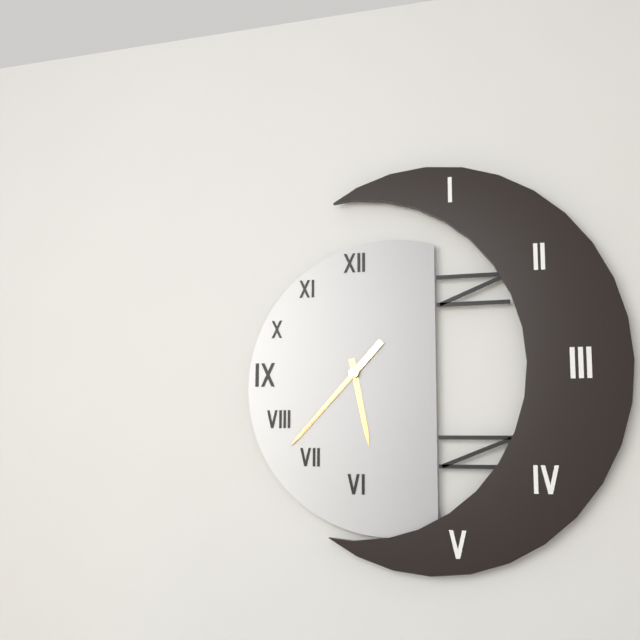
5:37:37
